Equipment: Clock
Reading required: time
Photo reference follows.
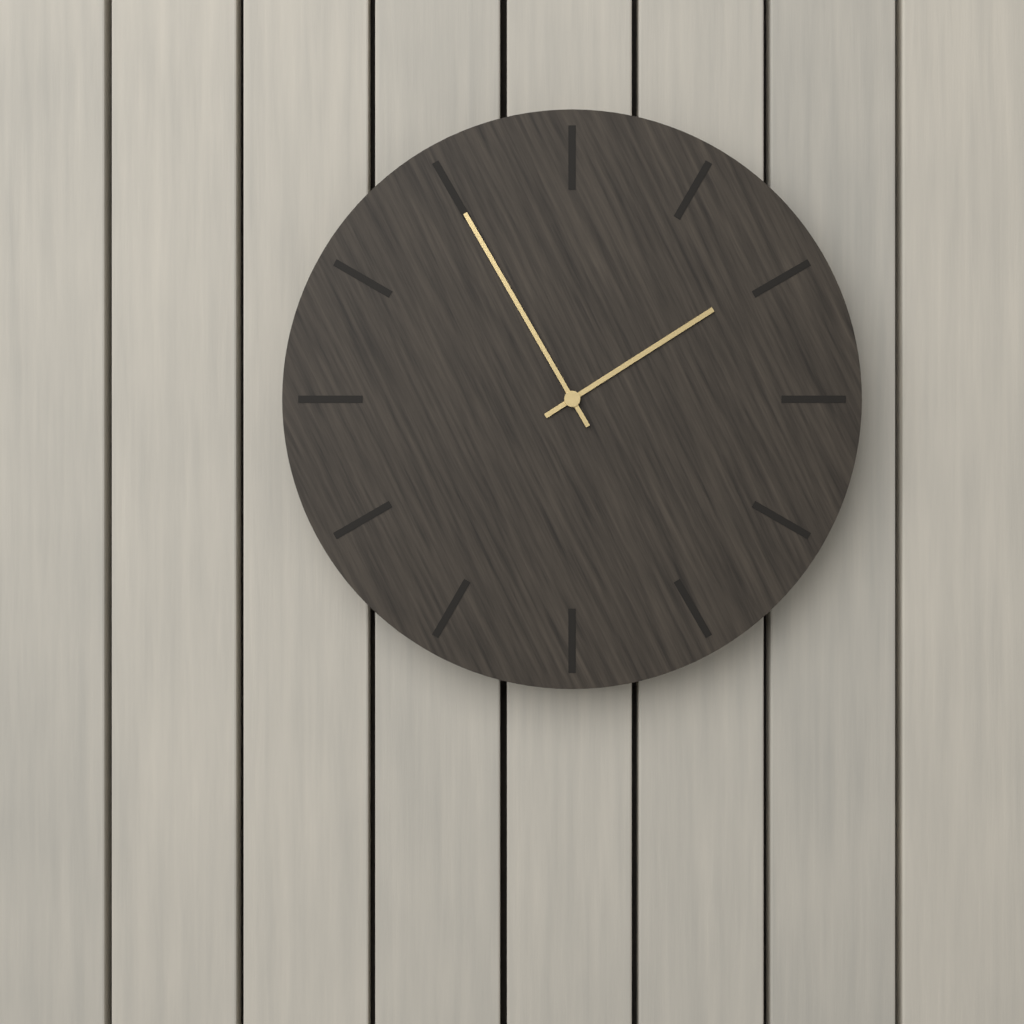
1:55
